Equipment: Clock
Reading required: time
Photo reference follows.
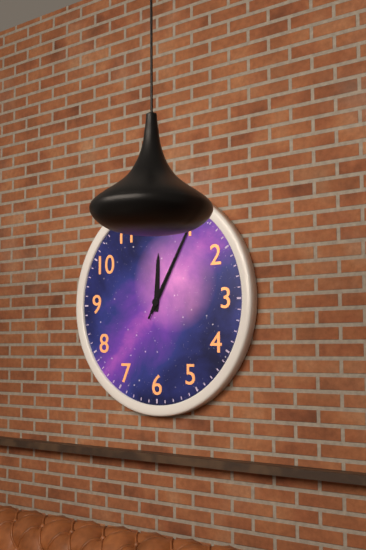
12:05:05
